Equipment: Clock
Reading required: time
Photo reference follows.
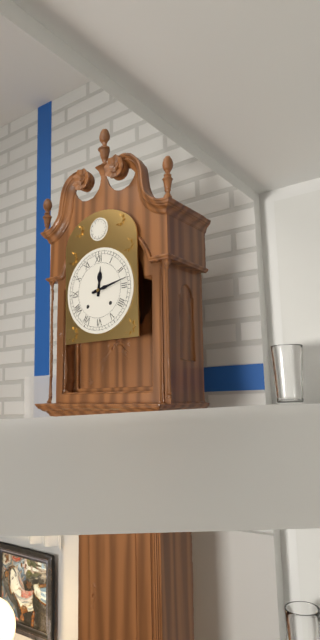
12:13
